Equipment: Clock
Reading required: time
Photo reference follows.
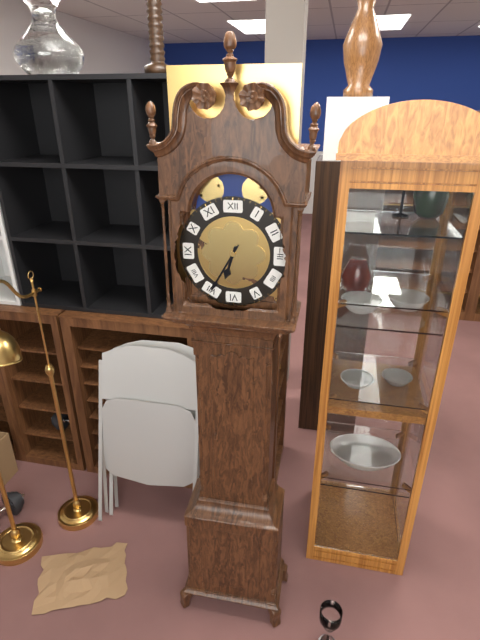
6:35
